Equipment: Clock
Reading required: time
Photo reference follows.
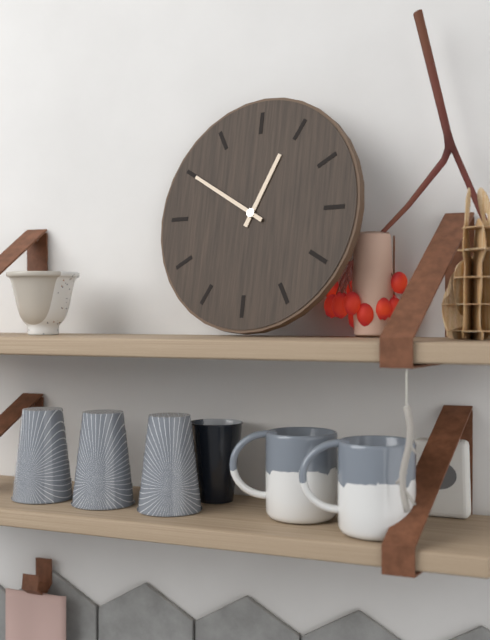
12:50
